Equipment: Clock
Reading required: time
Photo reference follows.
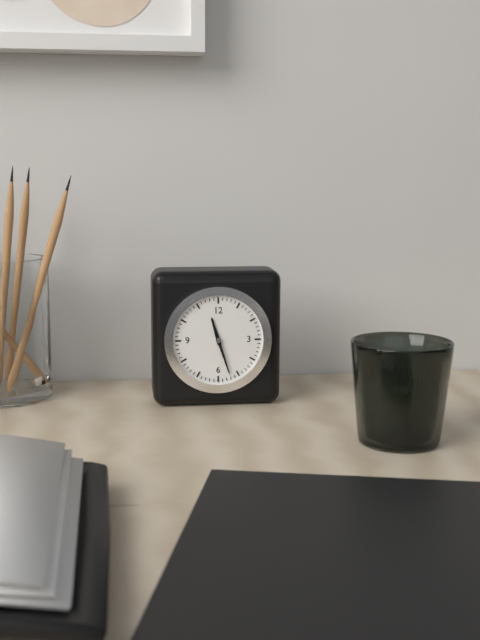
11:27
